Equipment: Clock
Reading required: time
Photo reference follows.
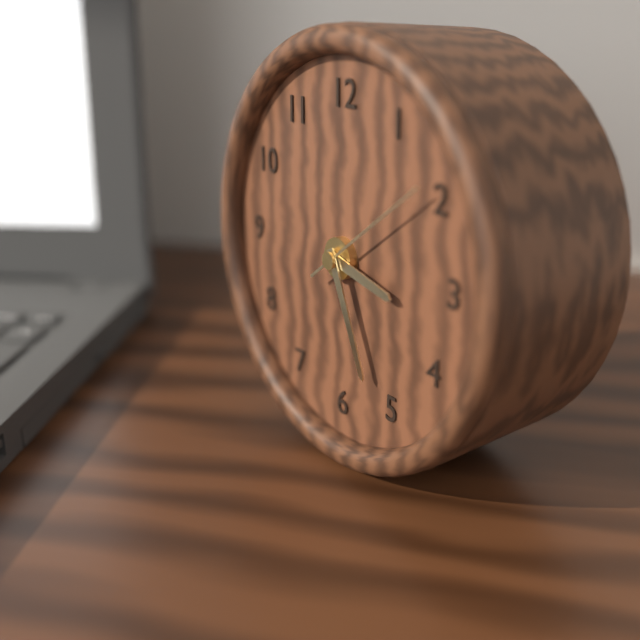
3:26:09
